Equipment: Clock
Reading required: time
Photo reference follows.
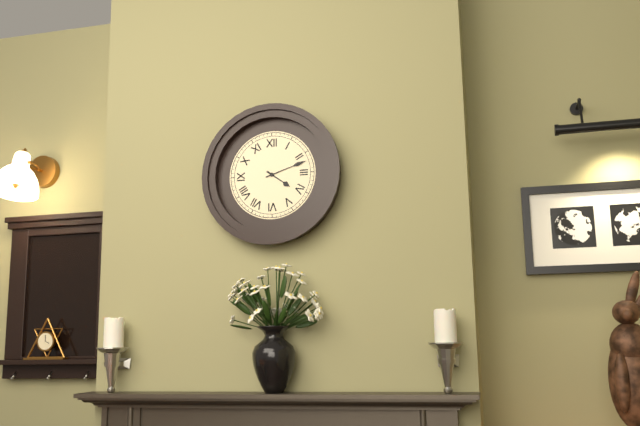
4:12
